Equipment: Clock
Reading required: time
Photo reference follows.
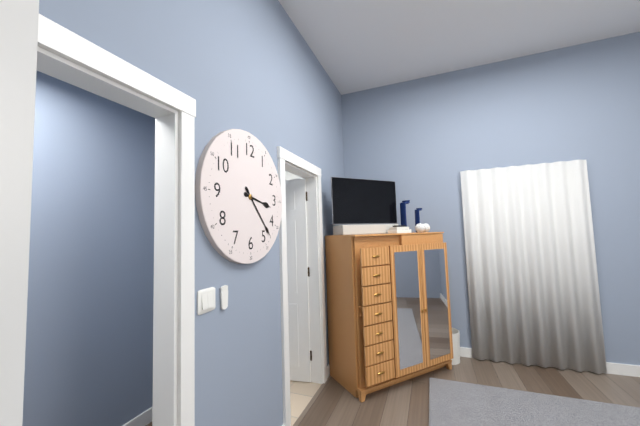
3:23
